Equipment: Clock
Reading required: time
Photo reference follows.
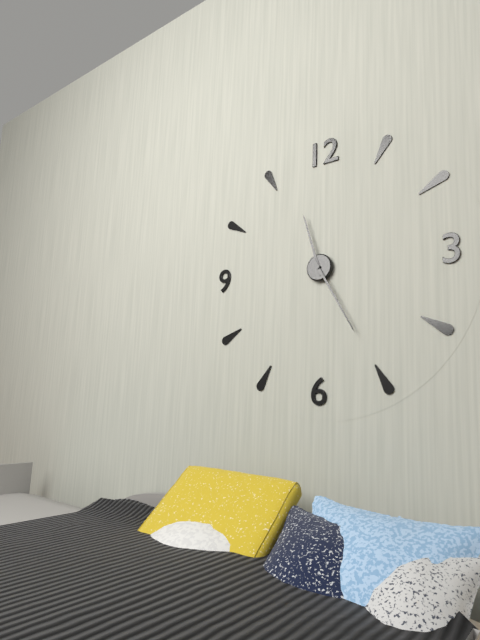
11:25
